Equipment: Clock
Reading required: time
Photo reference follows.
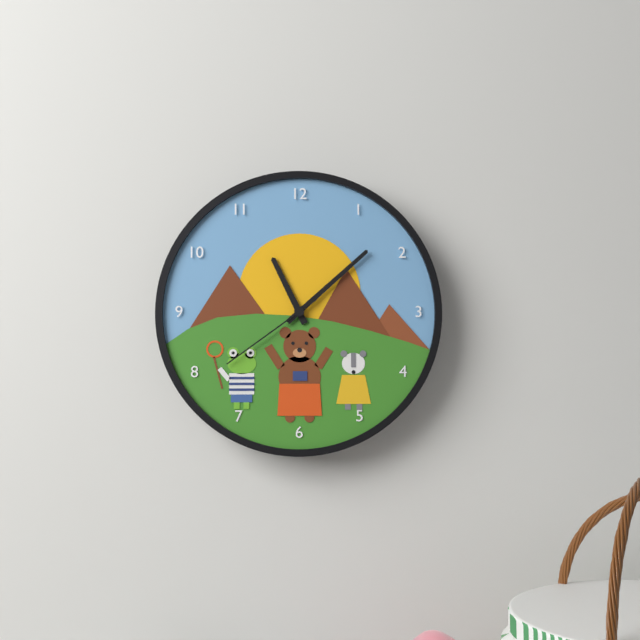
11:08:39
